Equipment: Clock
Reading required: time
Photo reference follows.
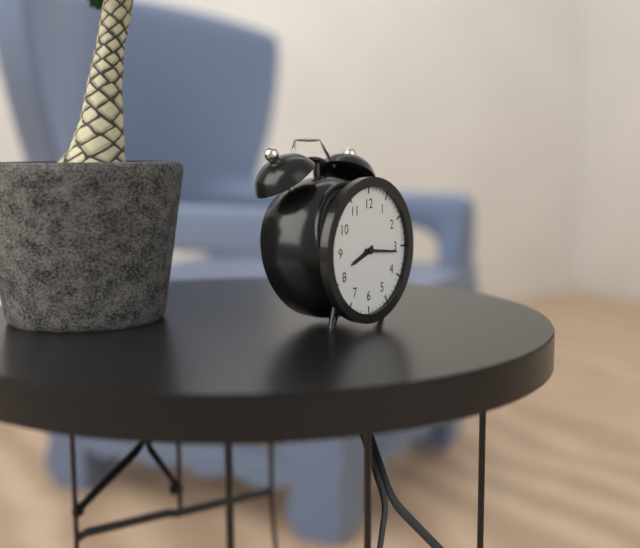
8:16
